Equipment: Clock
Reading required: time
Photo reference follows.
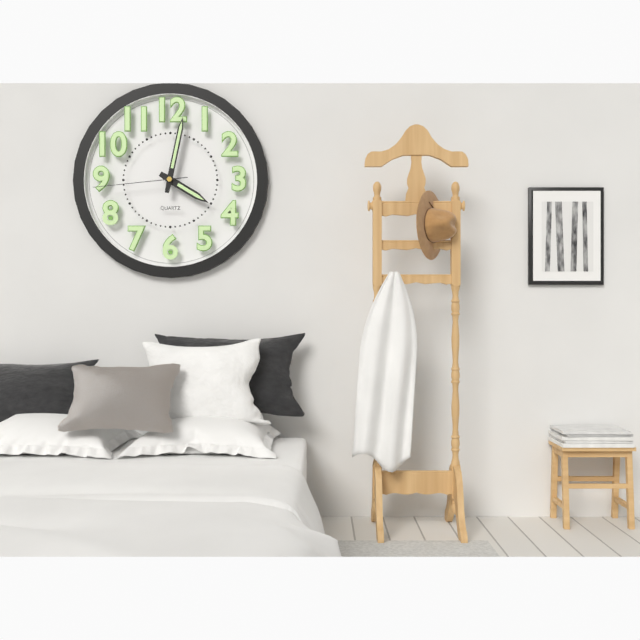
4:02:44
